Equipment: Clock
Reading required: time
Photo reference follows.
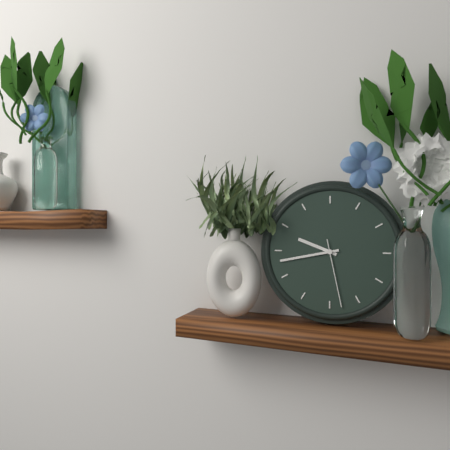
9:43:28
